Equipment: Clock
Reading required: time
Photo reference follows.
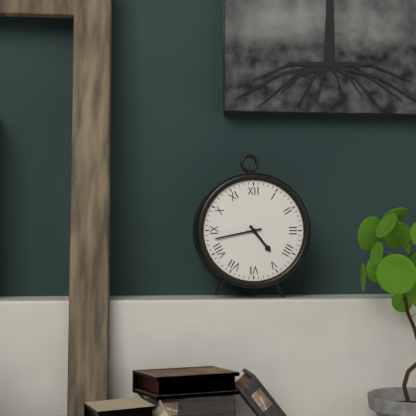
4:43
